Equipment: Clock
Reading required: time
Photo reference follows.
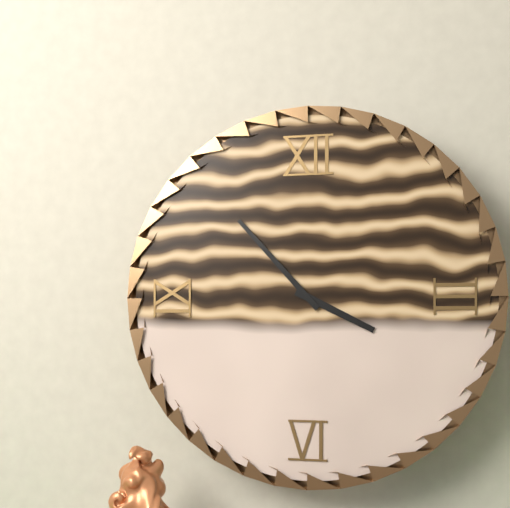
3:53
